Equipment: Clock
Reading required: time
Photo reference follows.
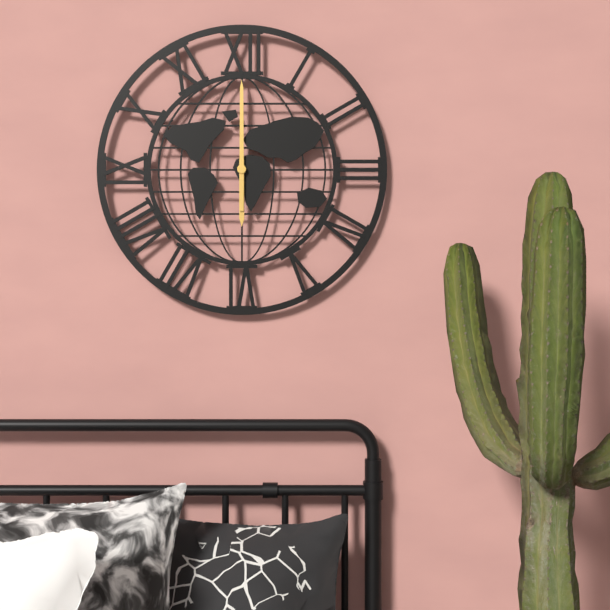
6:00
